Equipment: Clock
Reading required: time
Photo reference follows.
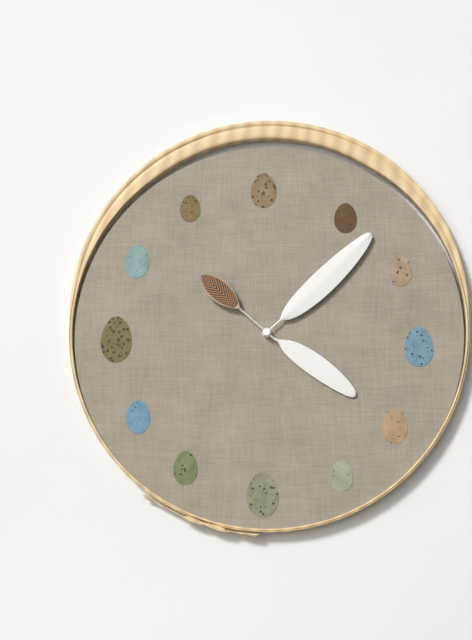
4:08:52
